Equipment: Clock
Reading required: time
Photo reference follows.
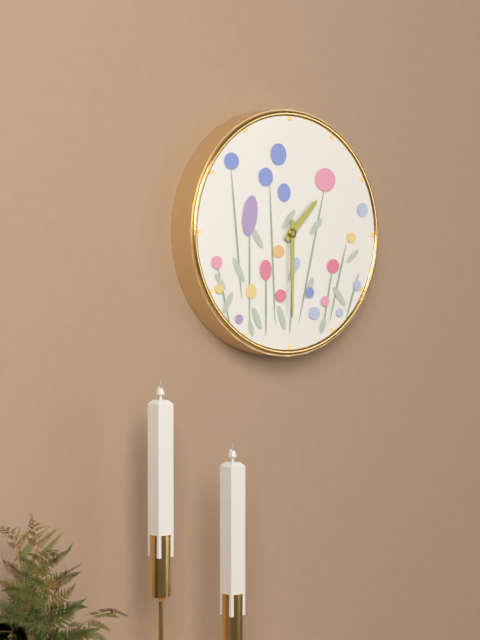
1:30
